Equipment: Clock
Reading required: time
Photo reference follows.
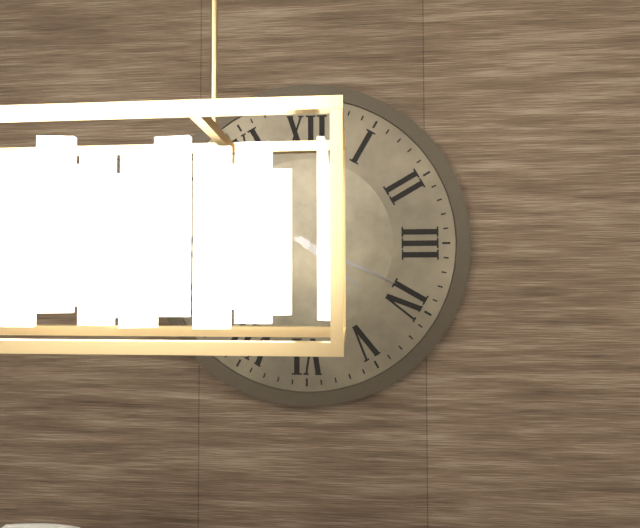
4:19
